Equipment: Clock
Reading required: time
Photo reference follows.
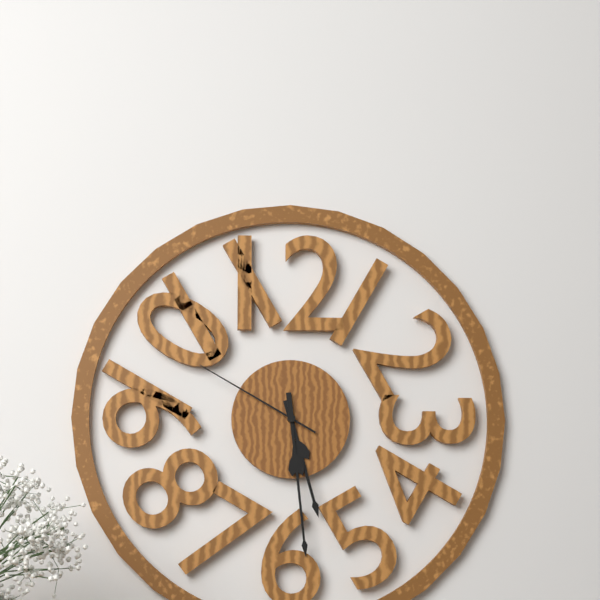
5:29:50
